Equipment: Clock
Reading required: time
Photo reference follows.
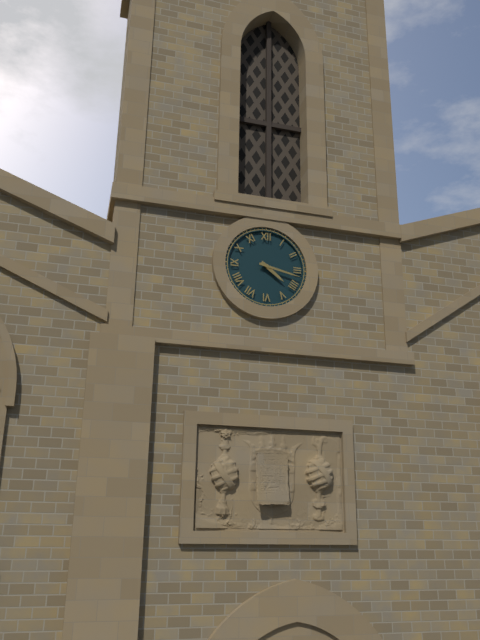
4:17
